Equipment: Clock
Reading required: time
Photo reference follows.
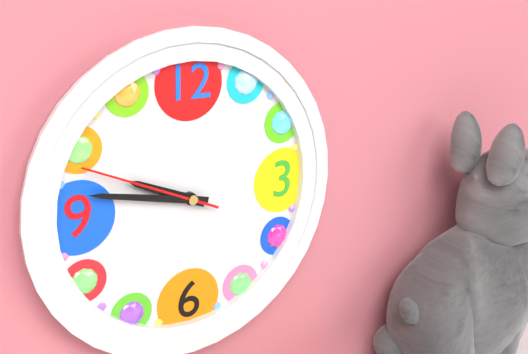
9:47:49
